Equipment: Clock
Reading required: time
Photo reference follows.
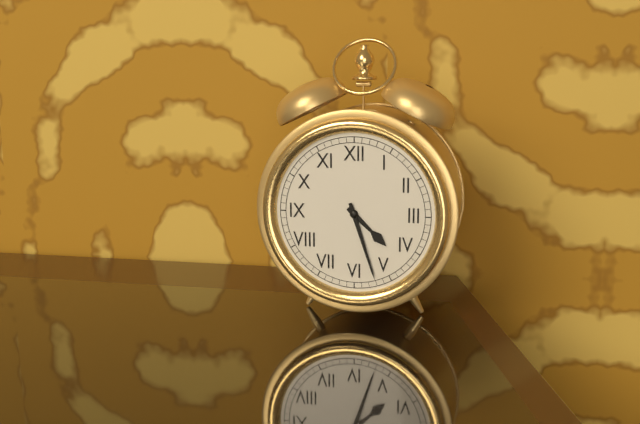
4:27
